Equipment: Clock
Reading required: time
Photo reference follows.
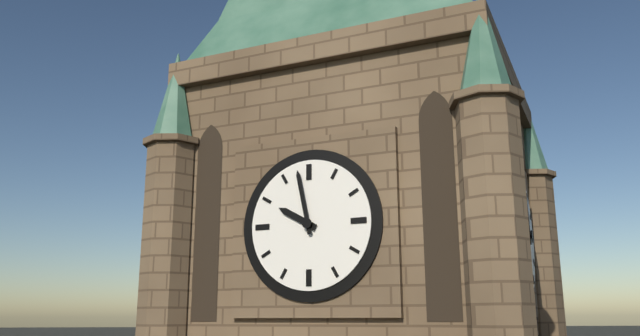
9:58
